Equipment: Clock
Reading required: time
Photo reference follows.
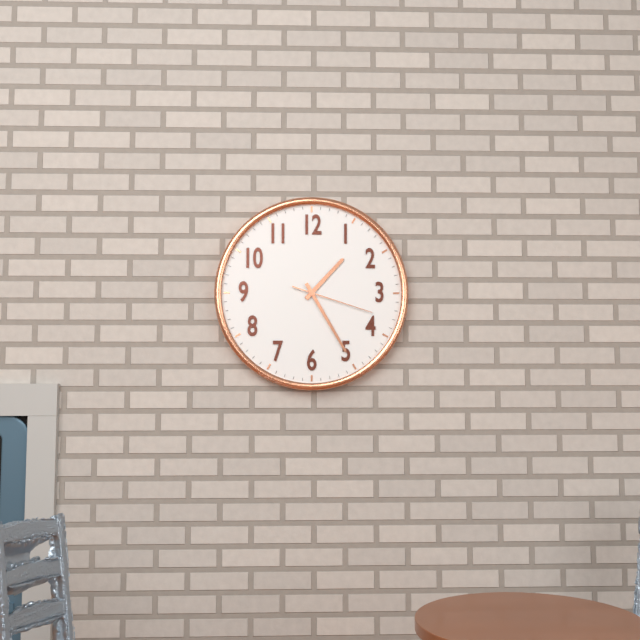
1:25:18
